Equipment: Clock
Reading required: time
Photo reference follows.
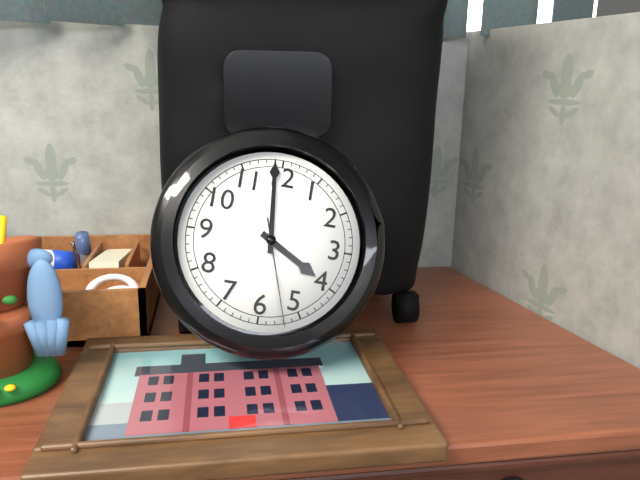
3:59:27
